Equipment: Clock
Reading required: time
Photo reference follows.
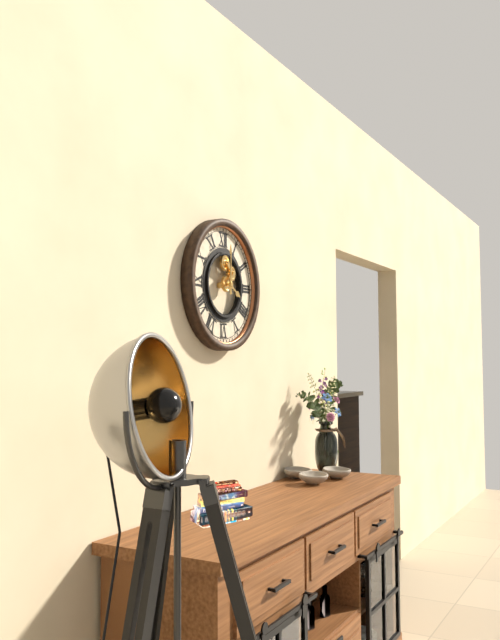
4:00
